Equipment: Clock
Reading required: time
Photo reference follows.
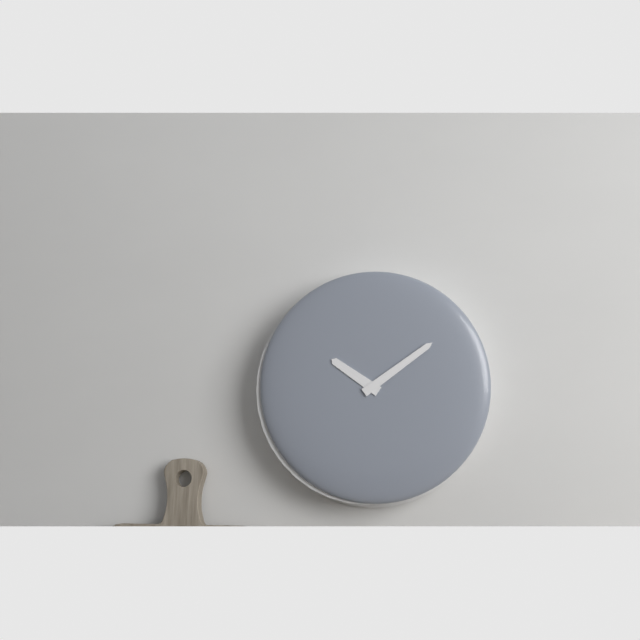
10:09
